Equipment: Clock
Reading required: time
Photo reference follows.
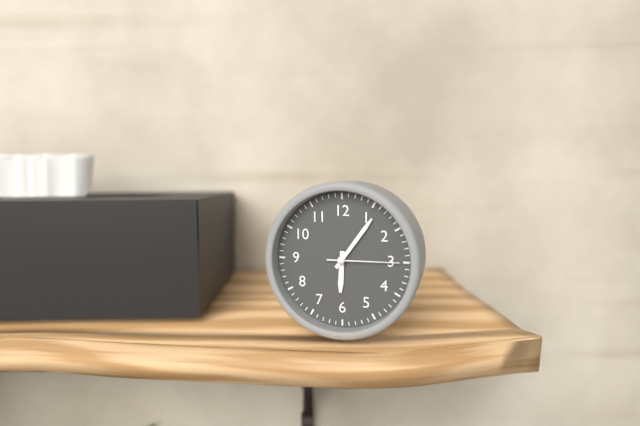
6:06:15
